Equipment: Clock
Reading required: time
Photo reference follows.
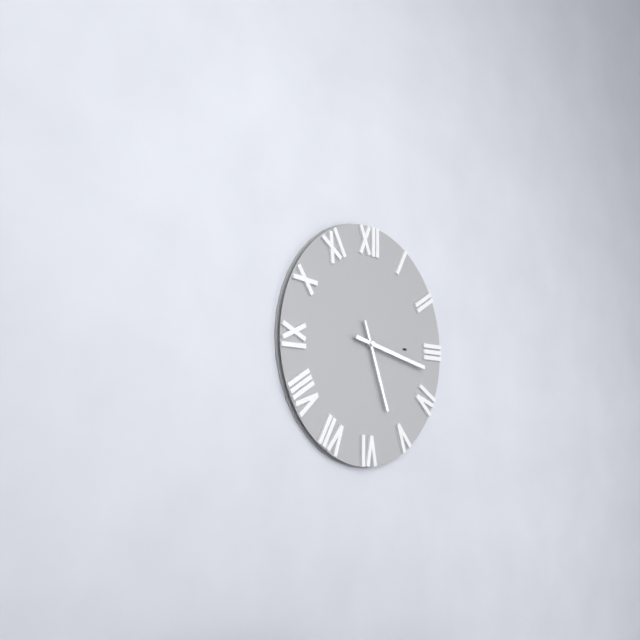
5:17
